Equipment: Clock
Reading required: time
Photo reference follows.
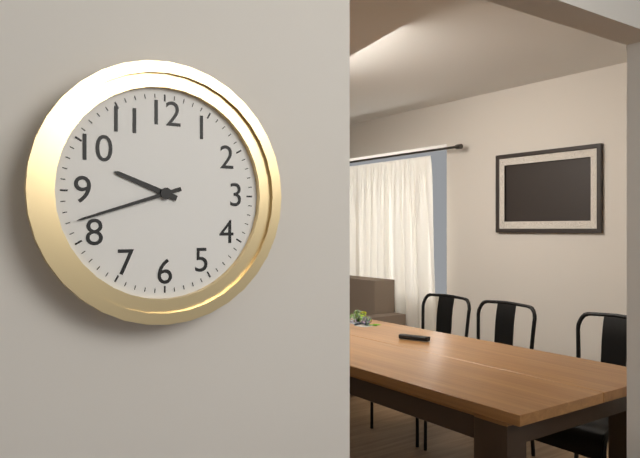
9:42
